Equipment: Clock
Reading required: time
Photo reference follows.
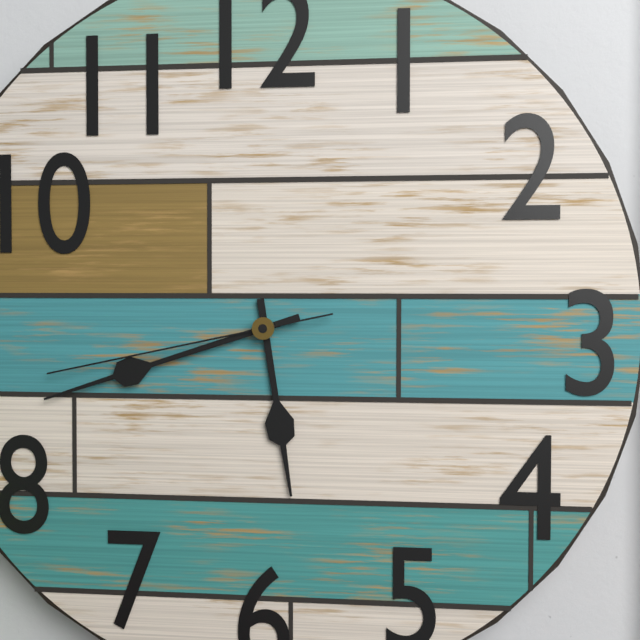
5:42:43
